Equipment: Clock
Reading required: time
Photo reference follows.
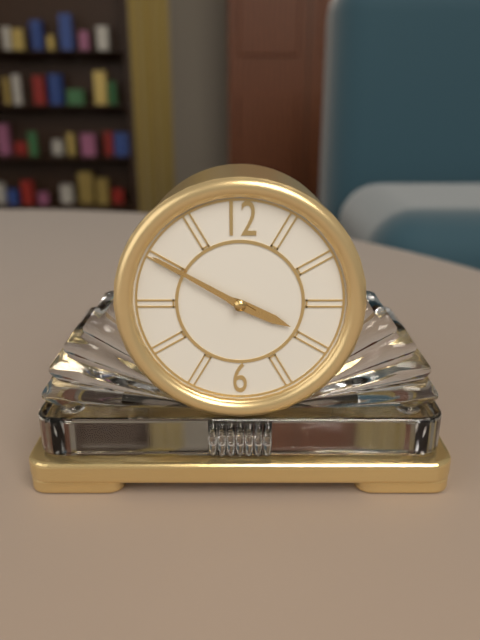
3:50
